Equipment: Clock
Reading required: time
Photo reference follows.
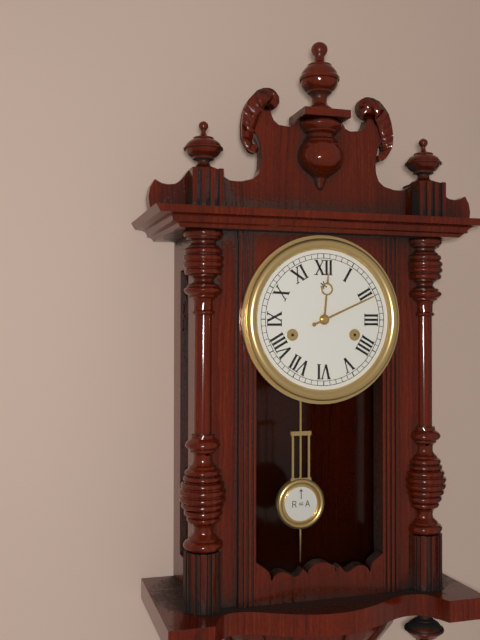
12:11
